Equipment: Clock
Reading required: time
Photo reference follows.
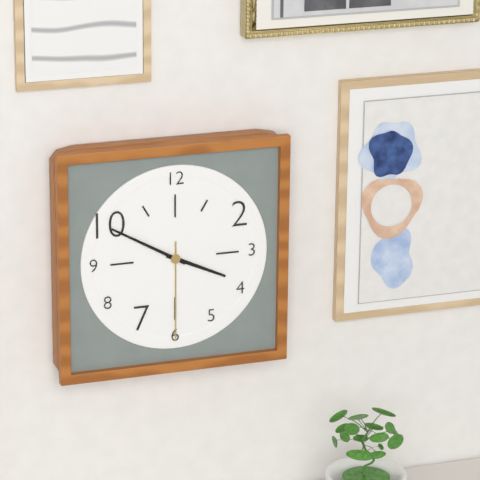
3:50:30
